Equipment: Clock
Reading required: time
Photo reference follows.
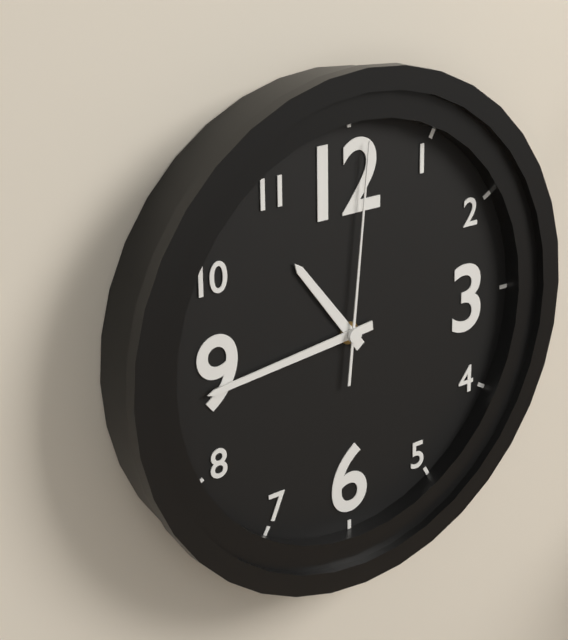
10:44:01
